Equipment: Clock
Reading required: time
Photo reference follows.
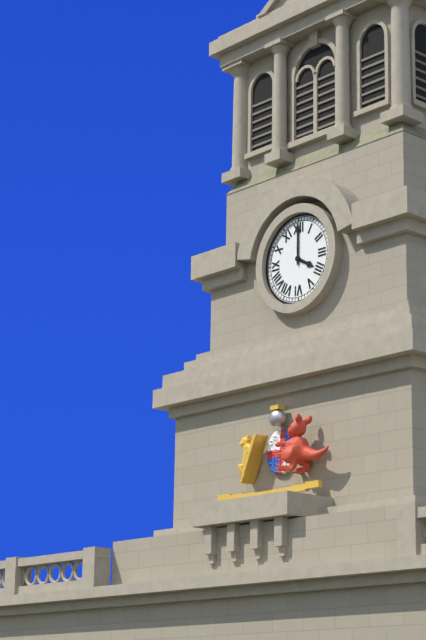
4:00
